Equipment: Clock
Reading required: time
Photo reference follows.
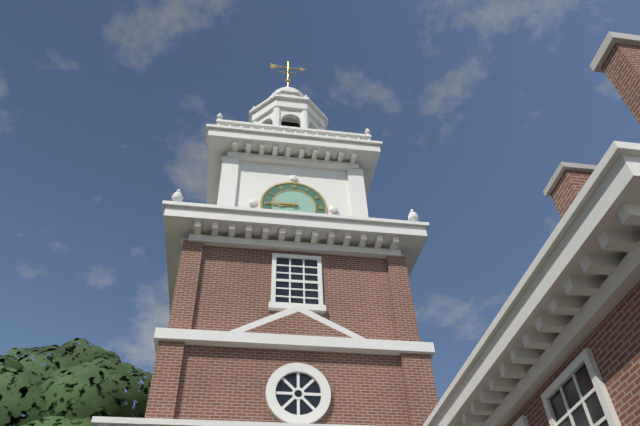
8:45
